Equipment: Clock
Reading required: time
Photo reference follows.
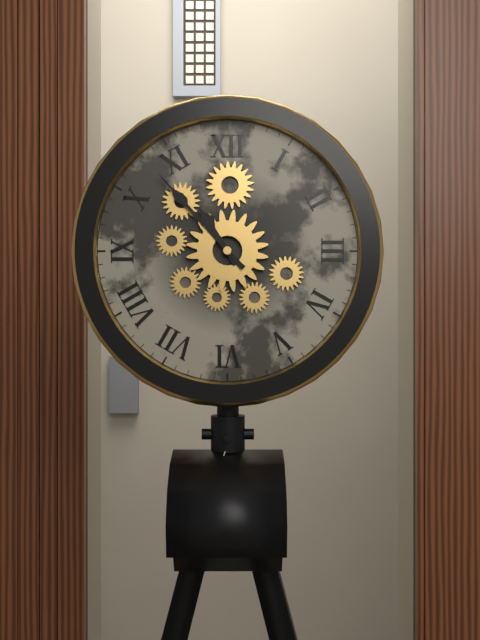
10:53
